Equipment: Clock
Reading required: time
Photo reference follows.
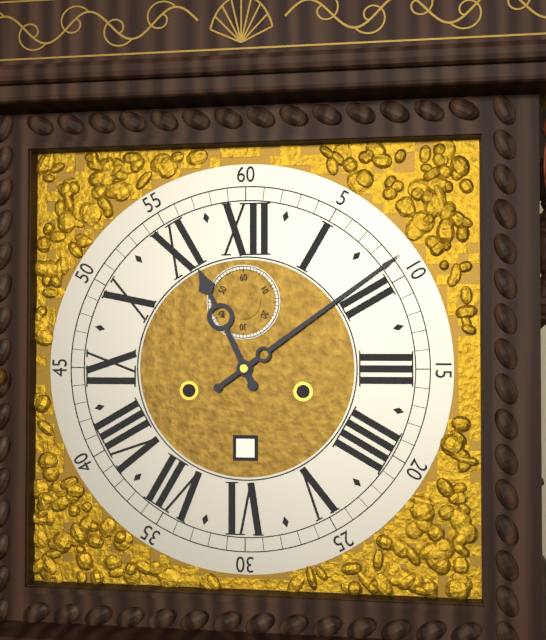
11:09
